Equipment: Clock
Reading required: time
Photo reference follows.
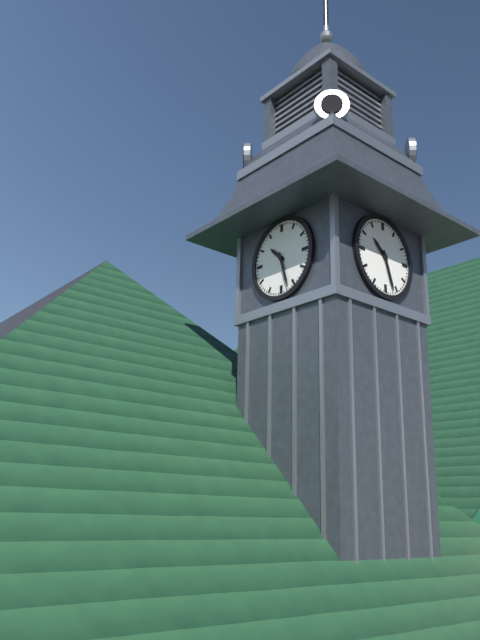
10:27
